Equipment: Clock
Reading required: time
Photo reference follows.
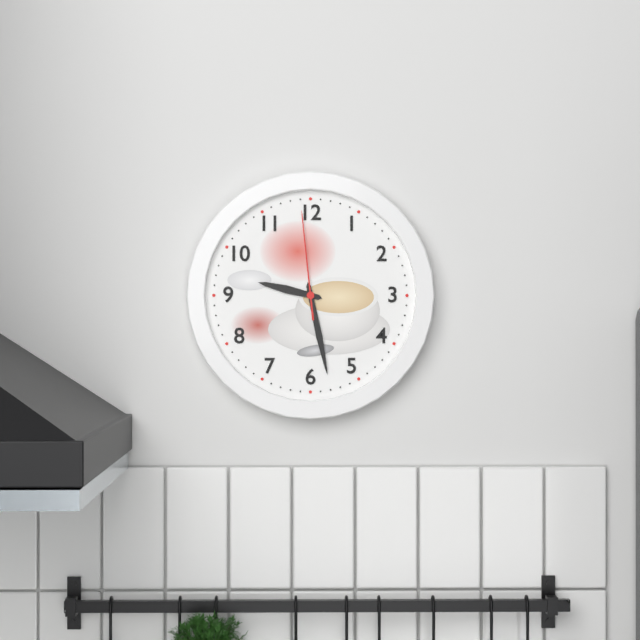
9:28:59
